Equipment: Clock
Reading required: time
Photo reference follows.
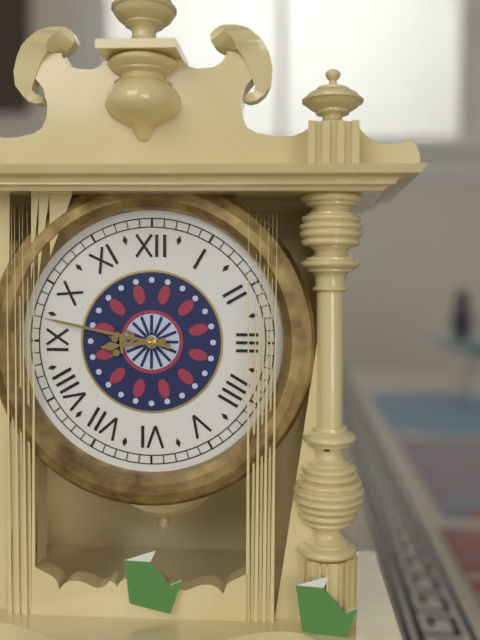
8:47
